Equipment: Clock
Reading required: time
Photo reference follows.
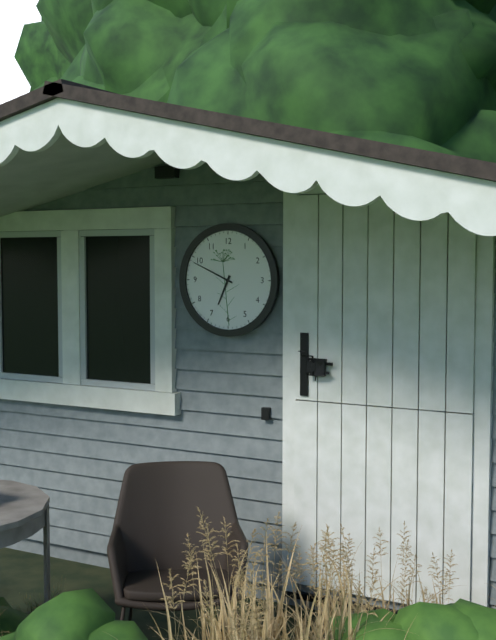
6:49
